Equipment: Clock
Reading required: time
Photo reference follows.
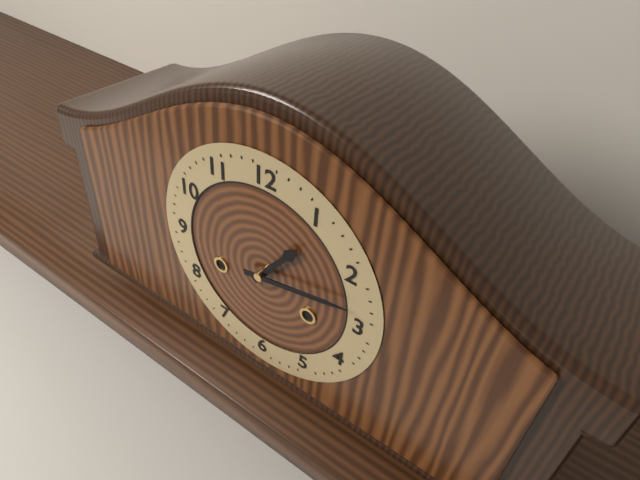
1:13
